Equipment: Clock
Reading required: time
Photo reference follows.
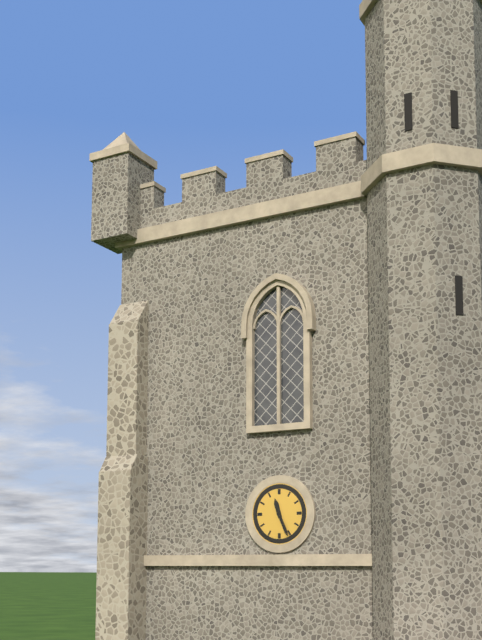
11:26
